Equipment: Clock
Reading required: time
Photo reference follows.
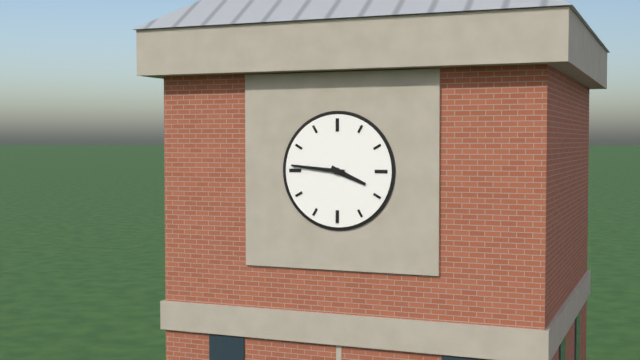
3:46
